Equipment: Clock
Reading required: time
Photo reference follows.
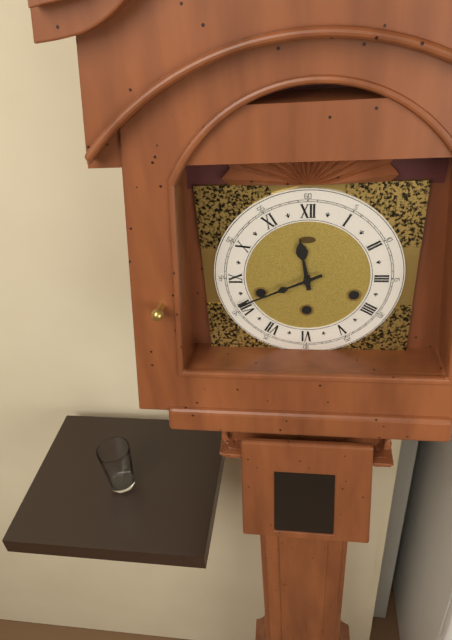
11:41
